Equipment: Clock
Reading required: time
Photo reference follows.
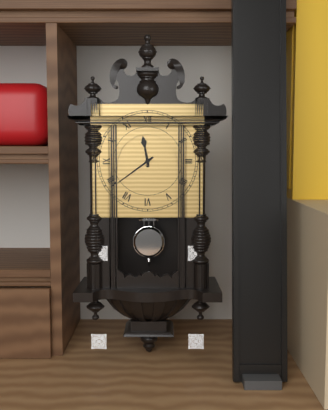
11:39
